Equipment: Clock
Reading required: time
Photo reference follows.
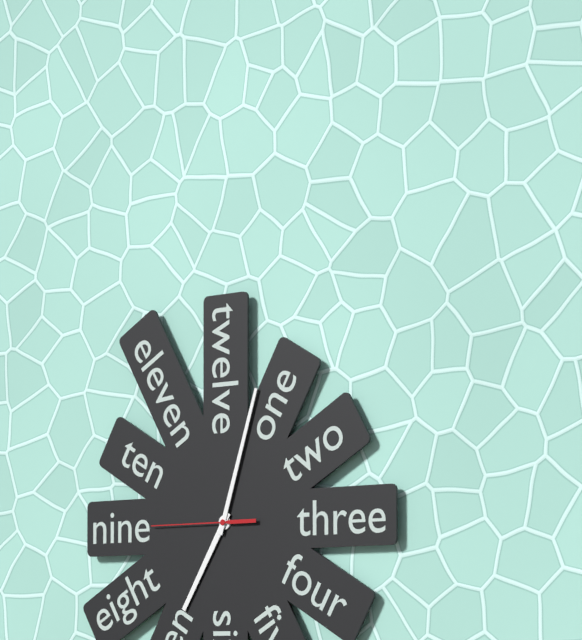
7:03:45
